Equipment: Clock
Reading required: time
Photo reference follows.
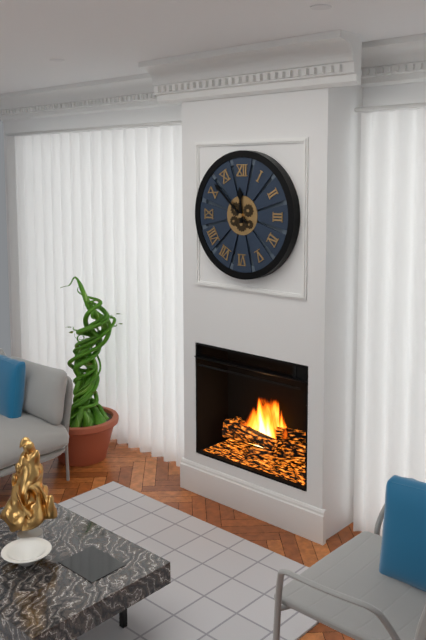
11:52
